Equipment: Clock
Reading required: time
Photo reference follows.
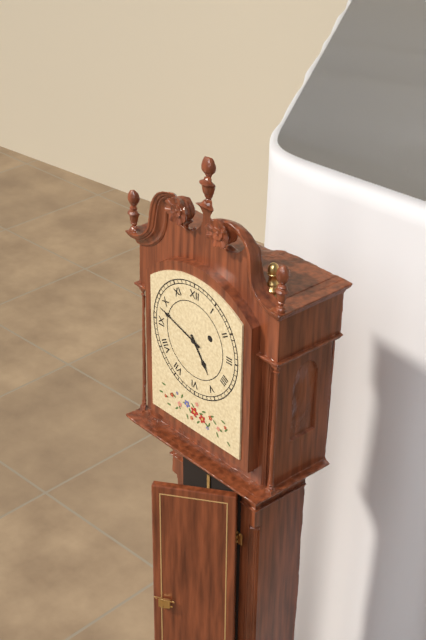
4:48
